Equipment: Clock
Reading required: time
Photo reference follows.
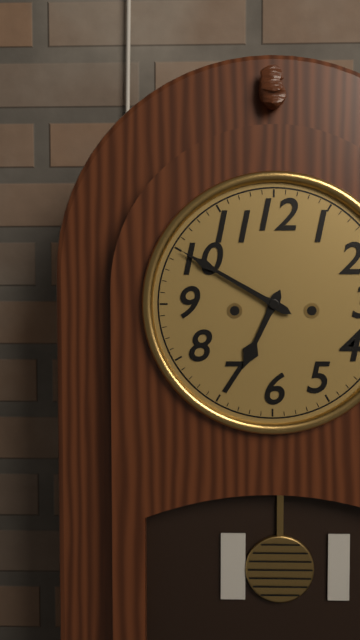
6:50
